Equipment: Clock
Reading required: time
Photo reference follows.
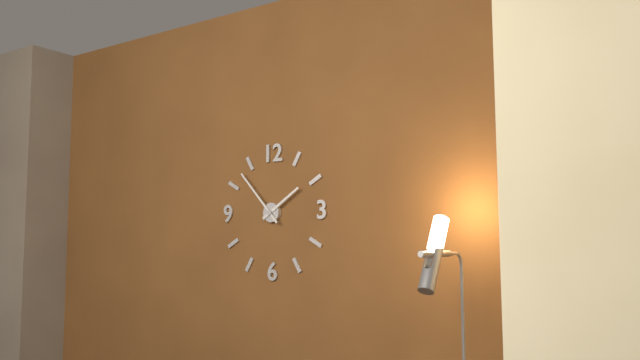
1:53
